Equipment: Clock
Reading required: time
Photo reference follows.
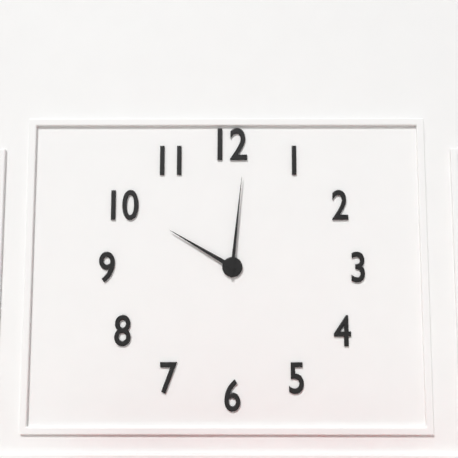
10:01
